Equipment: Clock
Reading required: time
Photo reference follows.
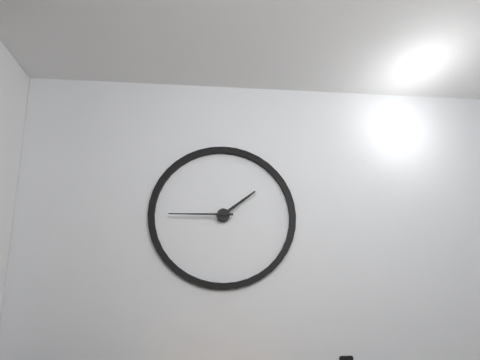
1:45
